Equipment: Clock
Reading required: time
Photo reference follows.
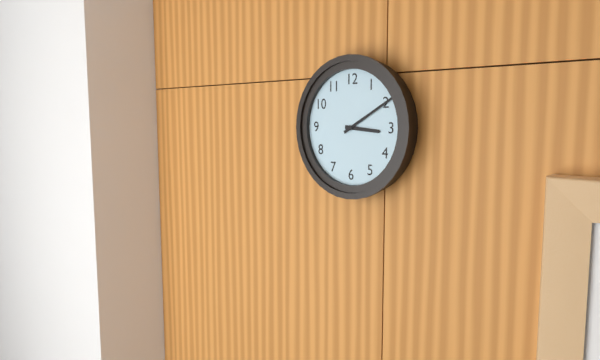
3:10
